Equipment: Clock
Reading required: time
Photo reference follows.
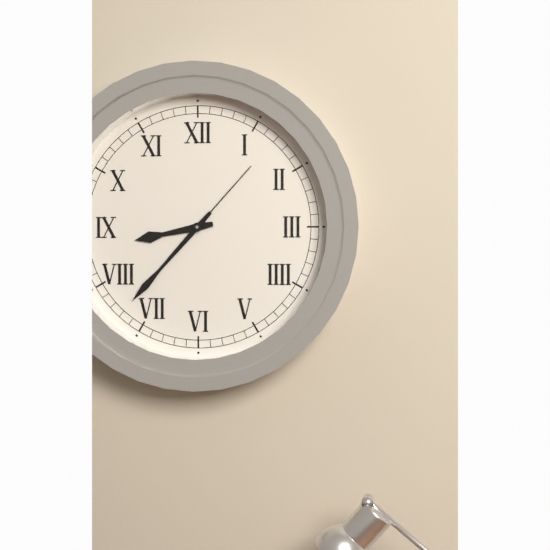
8:37:07
